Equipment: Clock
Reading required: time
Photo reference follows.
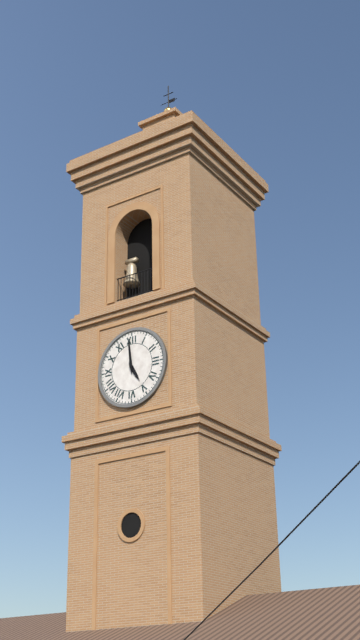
4:59
